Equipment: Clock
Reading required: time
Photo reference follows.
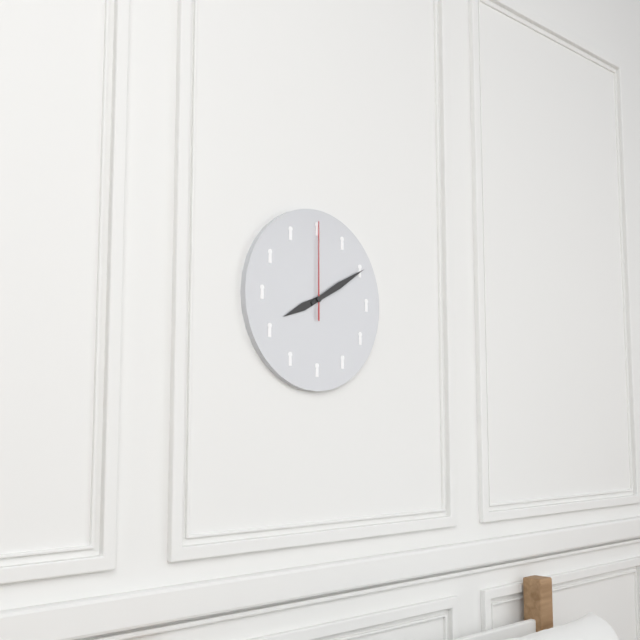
8:10:00
